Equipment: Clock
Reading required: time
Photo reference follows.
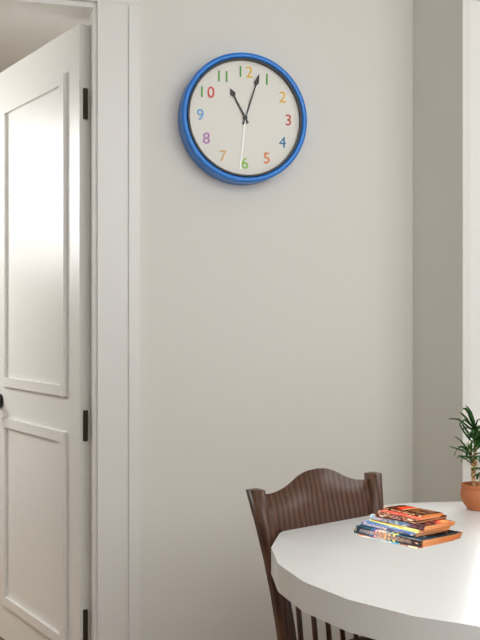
11:03:31
